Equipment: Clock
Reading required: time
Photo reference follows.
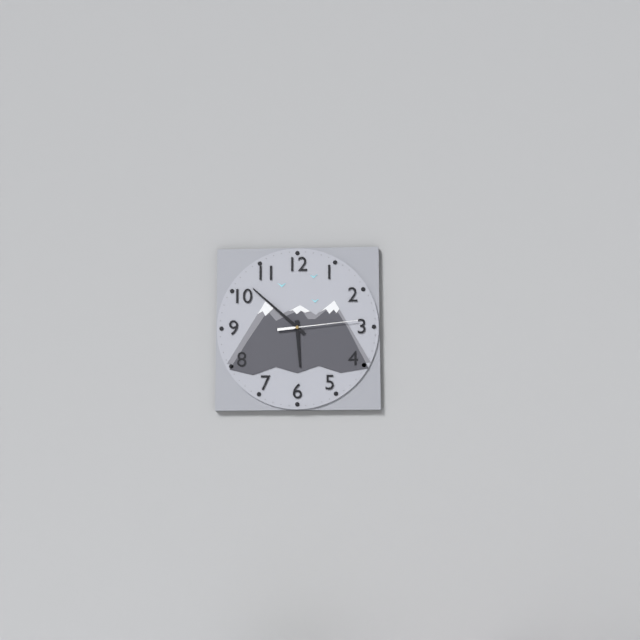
5:52:14
